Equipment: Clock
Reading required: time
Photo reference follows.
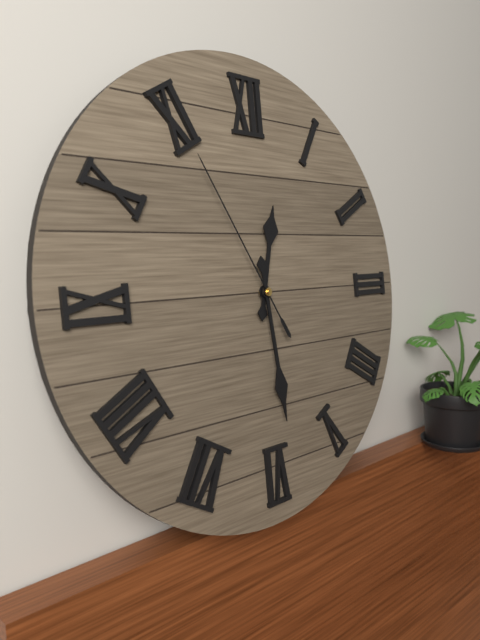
12:29:55
